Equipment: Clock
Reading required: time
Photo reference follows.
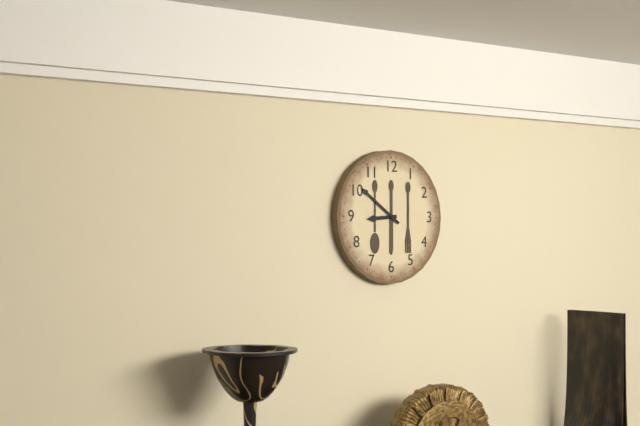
8:51
